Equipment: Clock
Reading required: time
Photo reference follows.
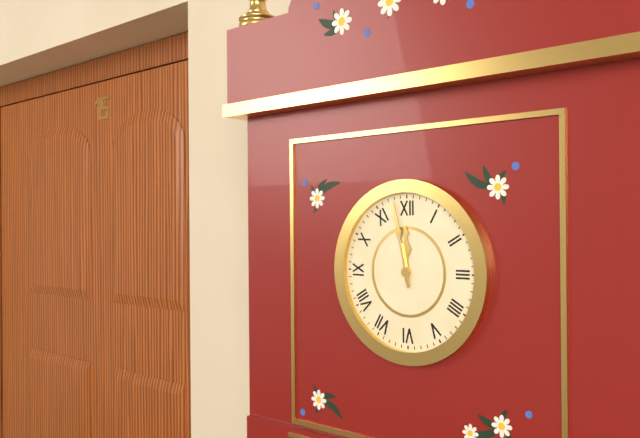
11:58
